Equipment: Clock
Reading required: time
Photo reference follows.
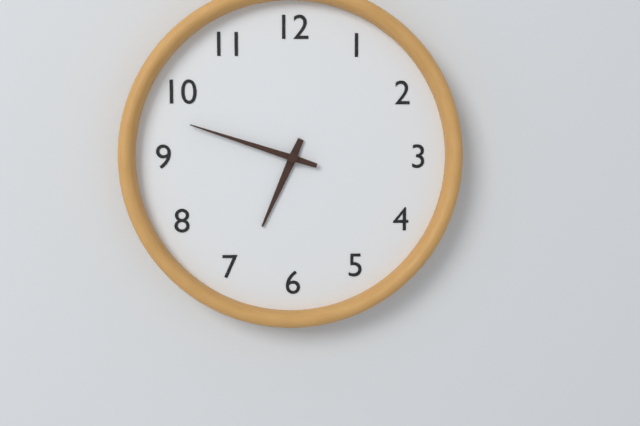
6:48
